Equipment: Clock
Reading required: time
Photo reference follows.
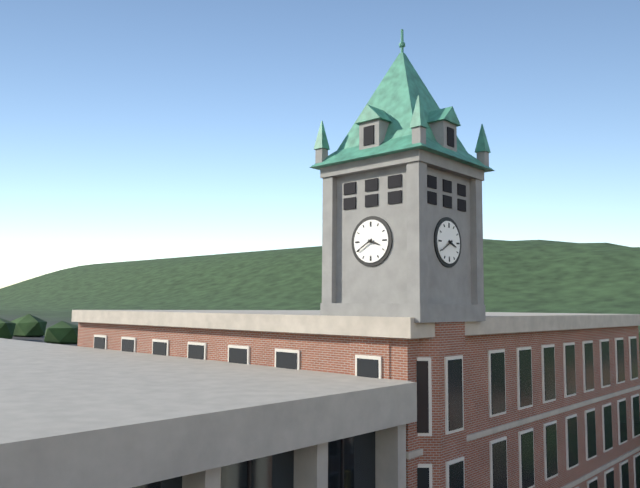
3:40
